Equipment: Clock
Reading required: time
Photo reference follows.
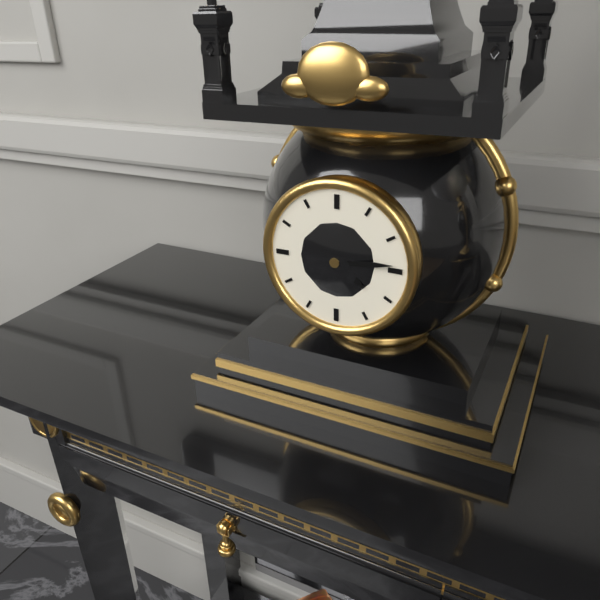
4:14
